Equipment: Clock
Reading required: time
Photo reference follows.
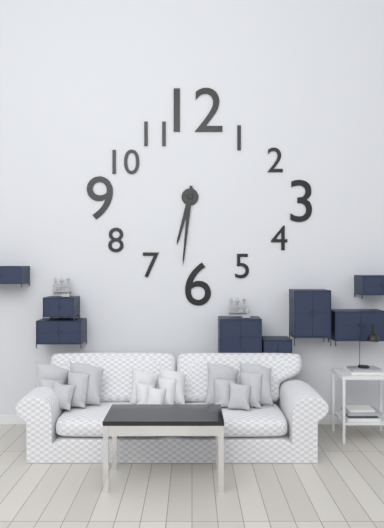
6:31
